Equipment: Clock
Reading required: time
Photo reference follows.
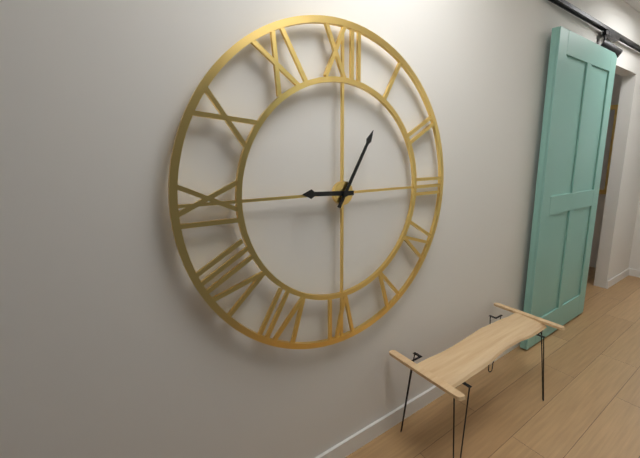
9:05
